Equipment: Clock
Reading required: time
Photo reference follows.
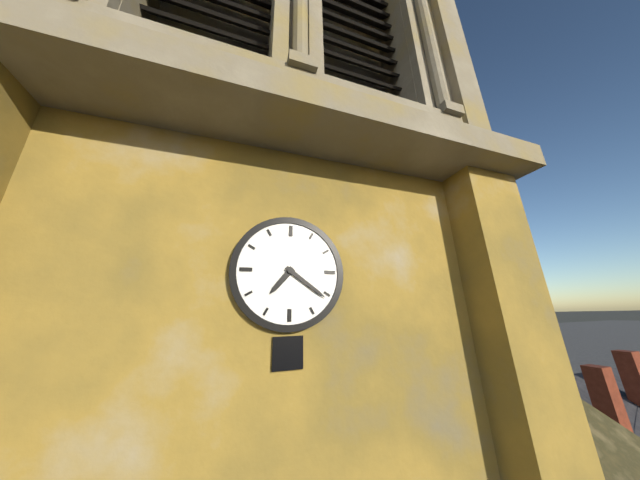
7:21
